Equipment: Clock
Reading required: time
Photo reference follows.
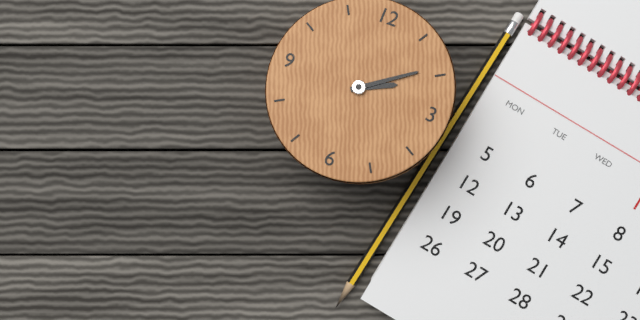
2:09
